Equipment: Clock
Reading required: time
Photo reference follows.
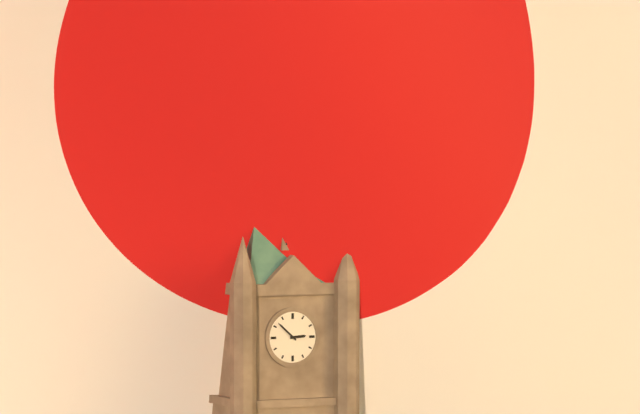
2:52
